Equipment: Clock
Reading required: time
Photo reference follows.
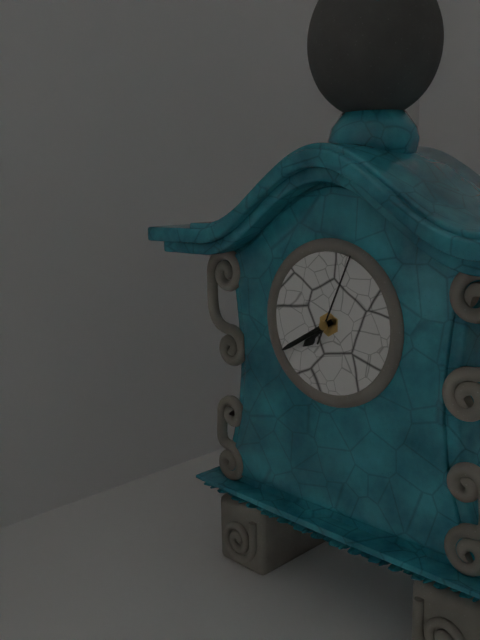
7:40:04
